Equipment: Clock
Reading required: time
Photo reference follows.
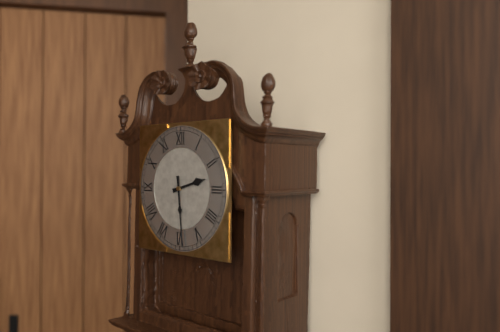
2:29
